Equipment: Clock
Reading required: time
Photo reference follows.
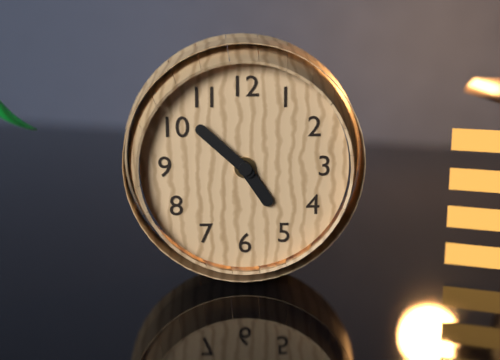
4:52
